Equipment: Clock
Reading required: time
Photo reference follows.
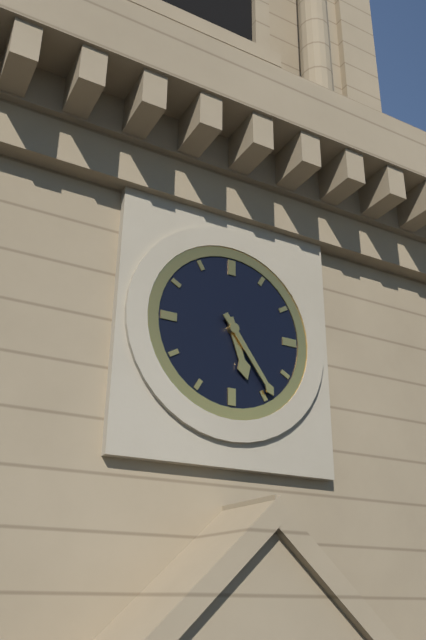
5:24
